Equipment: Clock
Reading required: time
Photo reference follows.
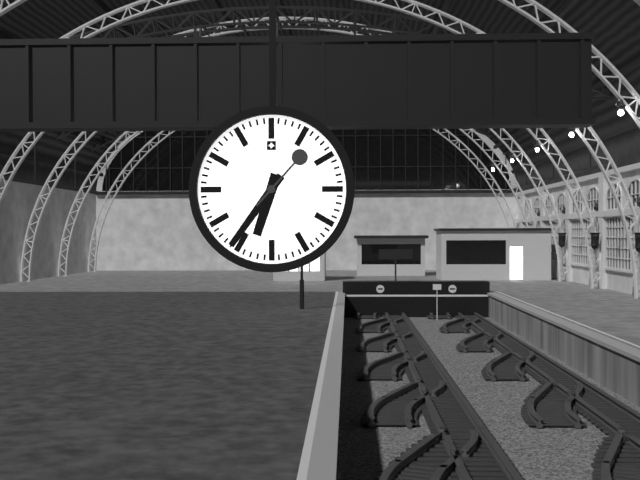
6:36:07
